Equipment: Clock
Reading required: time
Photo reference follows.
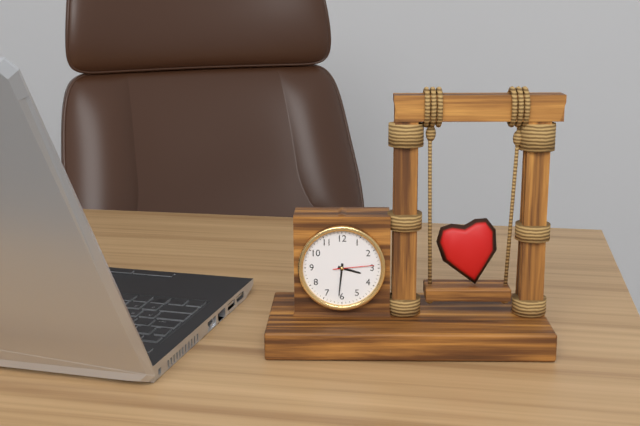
3:31
